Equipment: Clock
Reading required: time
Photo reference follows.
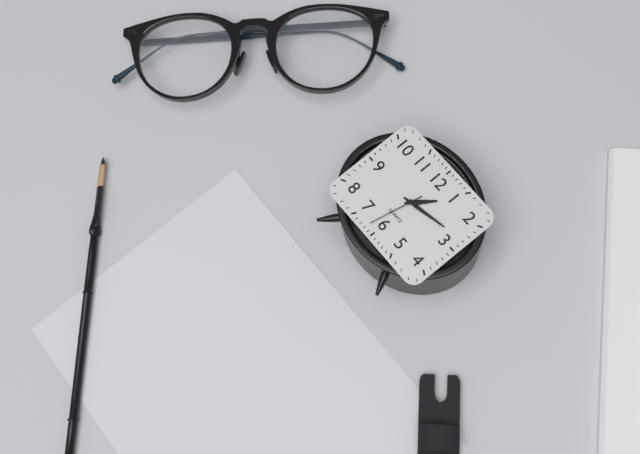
1:13:32
